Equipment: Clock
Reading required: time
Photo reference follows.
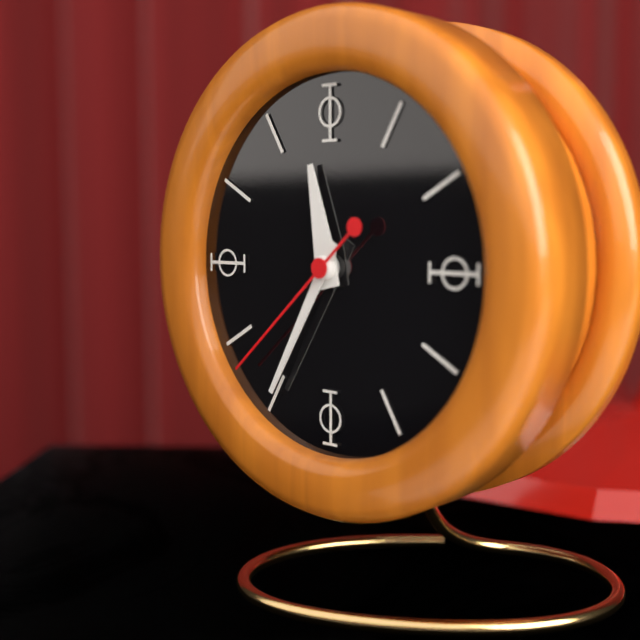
11:35:38
